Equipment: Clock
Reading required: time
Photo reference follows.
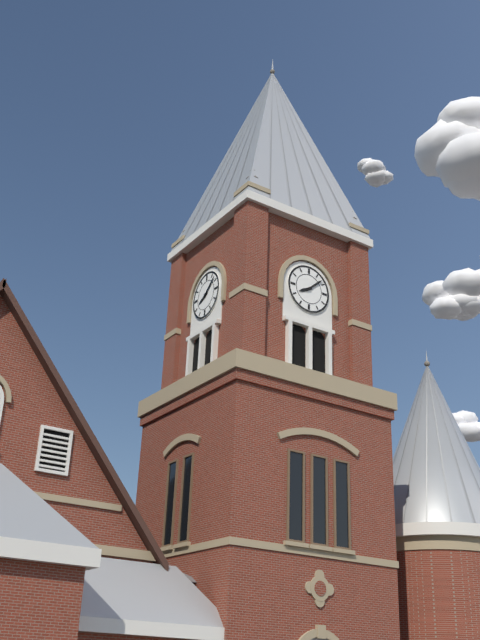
8:08
